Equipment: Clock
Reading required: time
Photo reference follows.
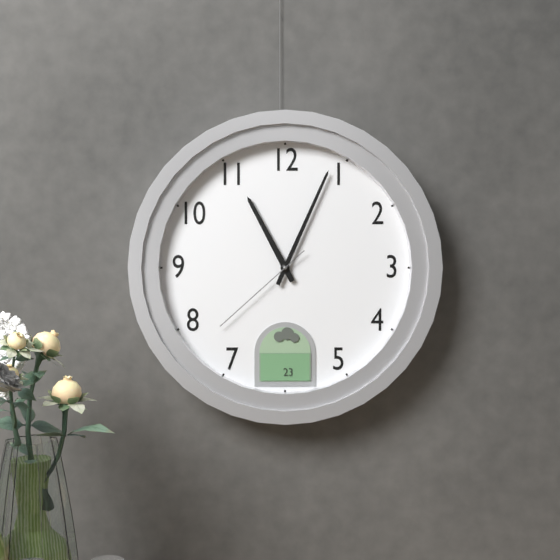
11:04:38
